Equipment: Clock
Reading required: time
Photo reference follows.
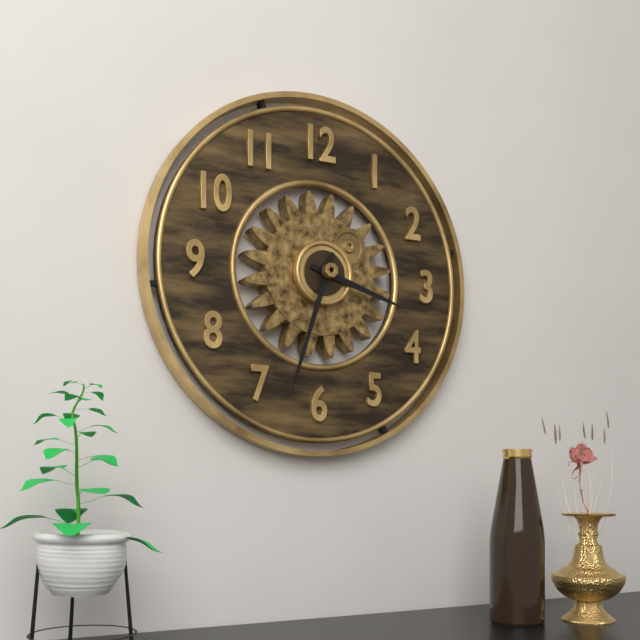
3:33
